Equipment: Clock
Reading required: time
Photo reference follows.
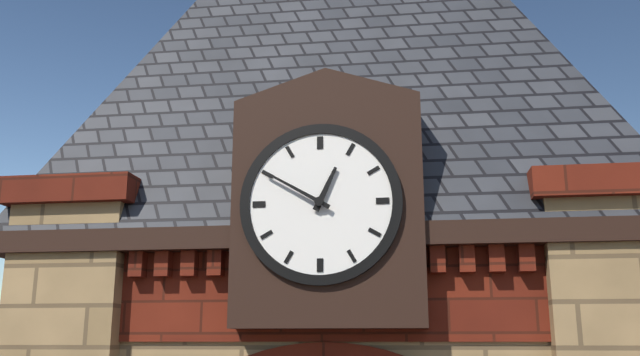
12:50
